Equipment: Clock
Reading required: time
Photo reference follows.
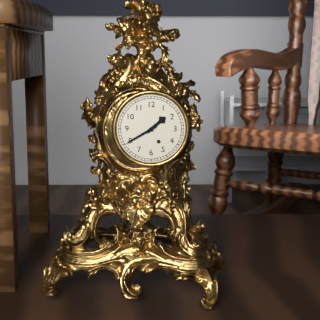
1:40
